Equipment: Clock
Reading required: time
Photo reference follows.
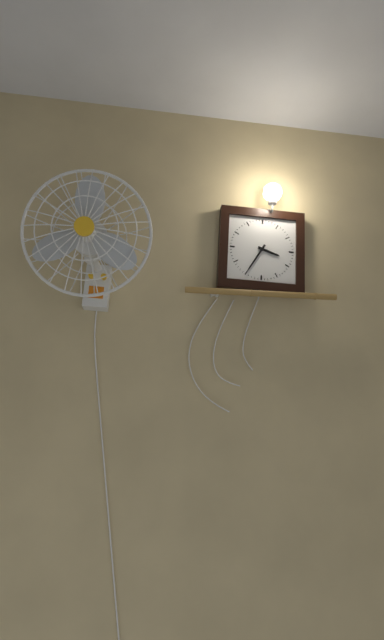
3:35
